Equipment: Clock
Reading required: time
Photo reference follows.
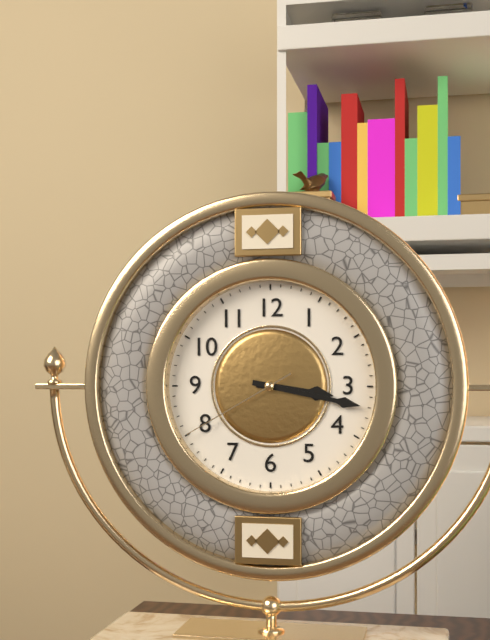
3:17:40
